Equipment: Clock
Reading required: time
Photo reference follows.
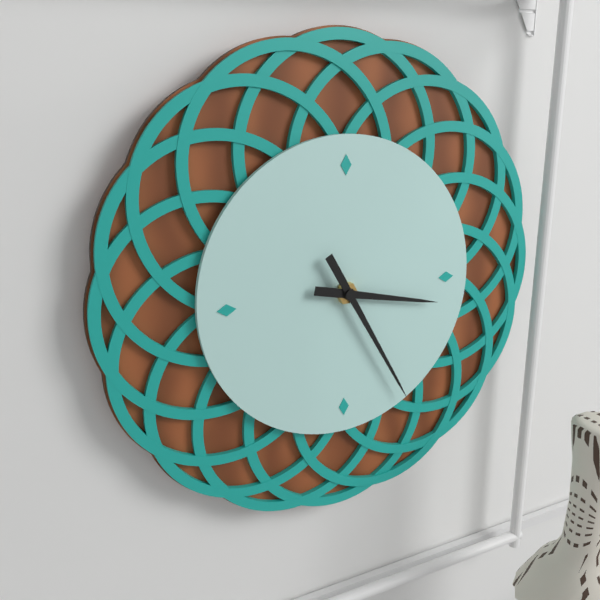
3:25
